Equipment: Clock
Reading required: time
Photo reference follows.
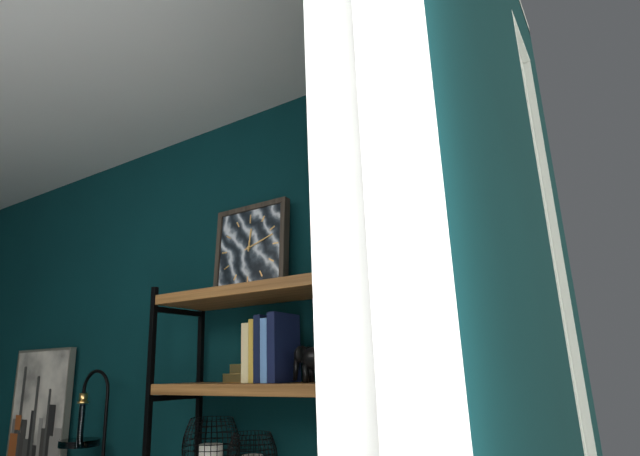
12:12
